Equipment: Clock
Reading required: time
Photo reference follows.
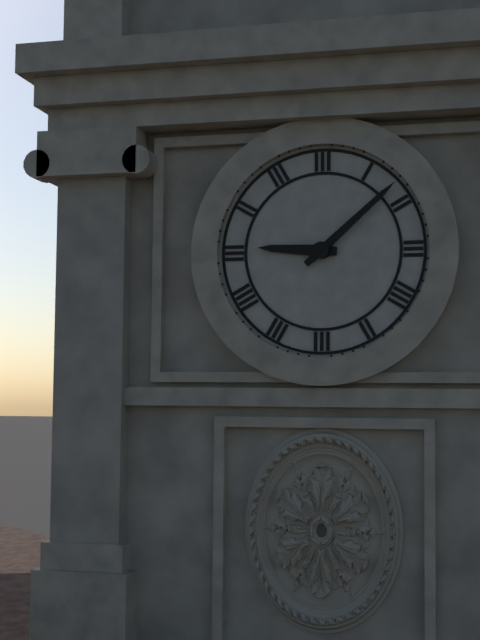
9:08
